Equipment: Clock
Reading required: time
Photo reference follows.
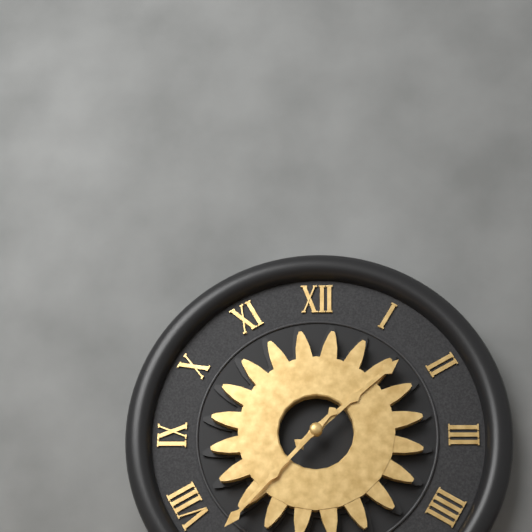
1:37
